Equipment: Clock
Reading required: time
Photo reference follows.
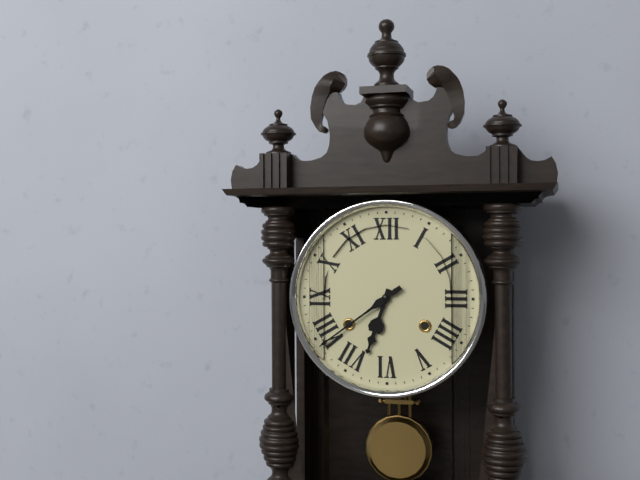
6:39
